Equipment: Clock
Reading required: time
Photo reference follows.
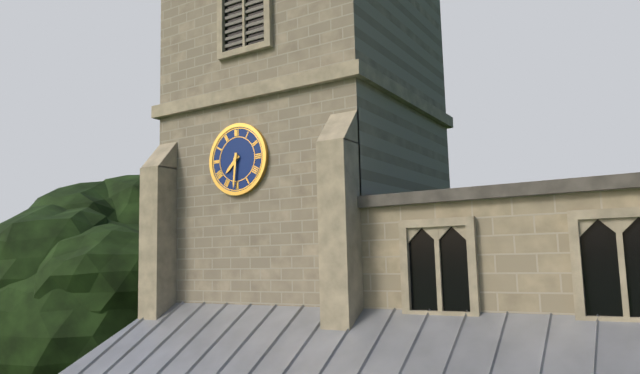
7:31
